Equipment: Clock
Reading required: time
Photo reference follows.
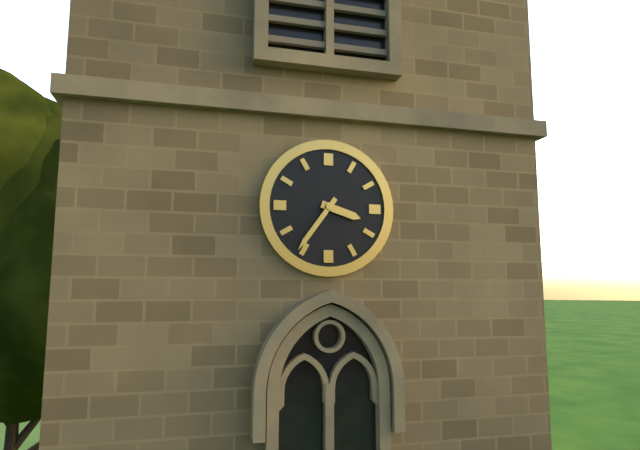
3:36
